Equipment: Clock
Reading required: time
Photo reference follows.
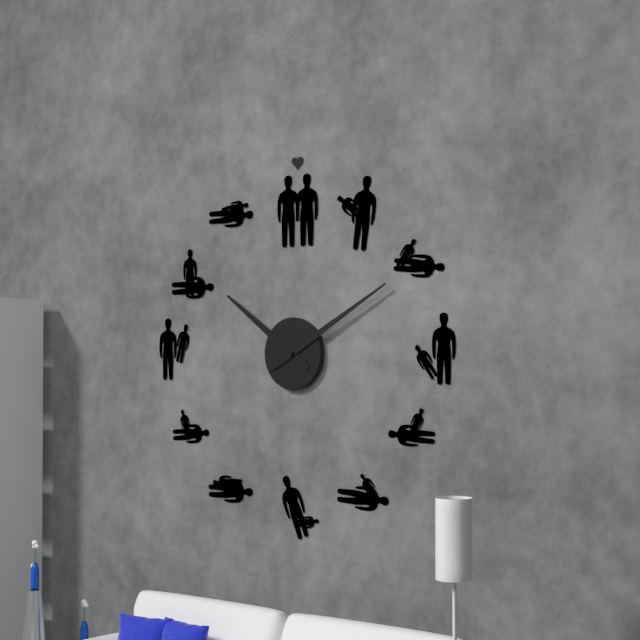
10:10
